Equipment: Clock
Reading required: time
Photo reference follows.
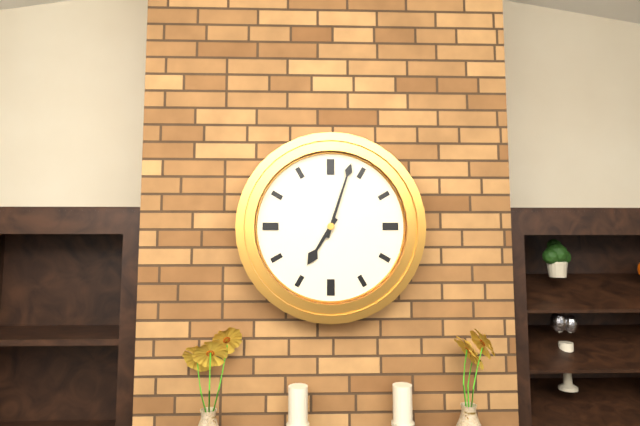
7:03
